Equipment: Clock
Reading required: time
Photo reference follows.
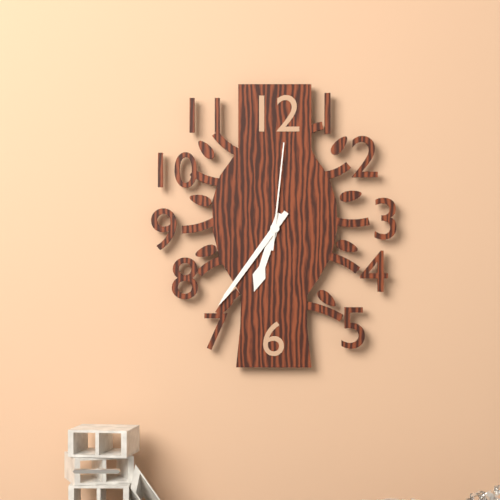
6:36:01
